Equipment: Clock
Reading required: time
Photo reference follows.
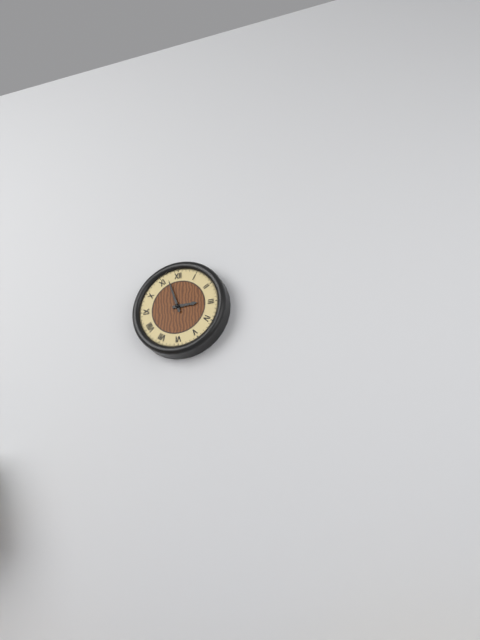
2:57
